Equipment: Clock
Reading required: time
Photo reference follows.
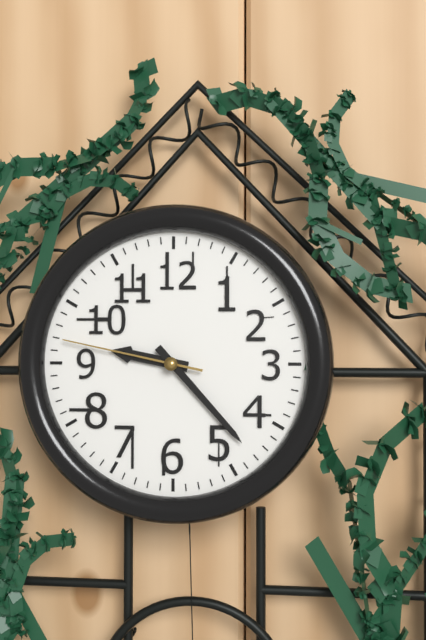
9:23:47
